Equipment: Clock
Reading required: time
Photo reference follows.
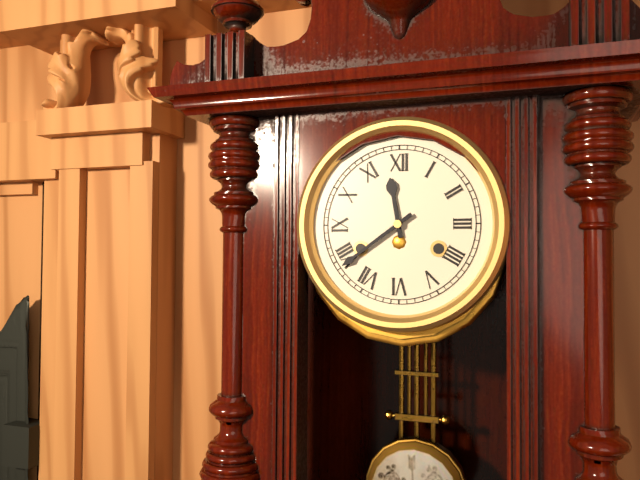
11:39
